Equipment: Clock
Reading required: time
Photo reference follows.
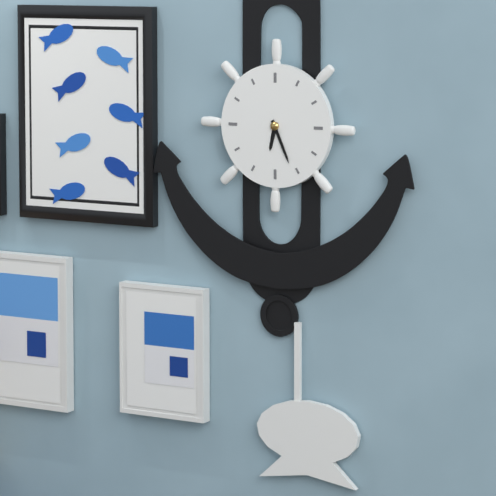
6:26
